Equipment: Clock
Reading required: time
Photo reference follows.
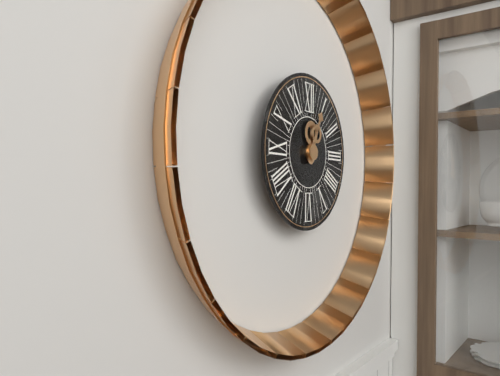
12:04
